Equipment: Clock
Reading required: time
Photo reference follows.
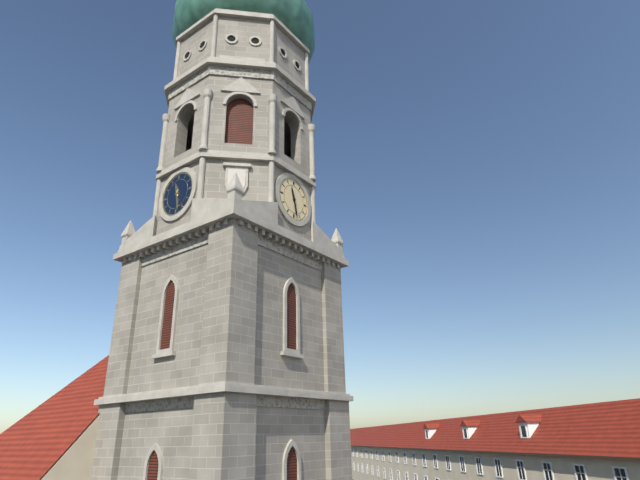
11:28
